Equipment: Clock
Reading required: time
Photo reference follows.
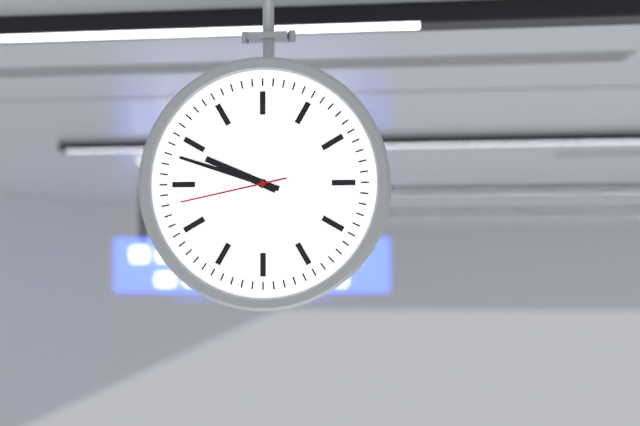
9:48:43
